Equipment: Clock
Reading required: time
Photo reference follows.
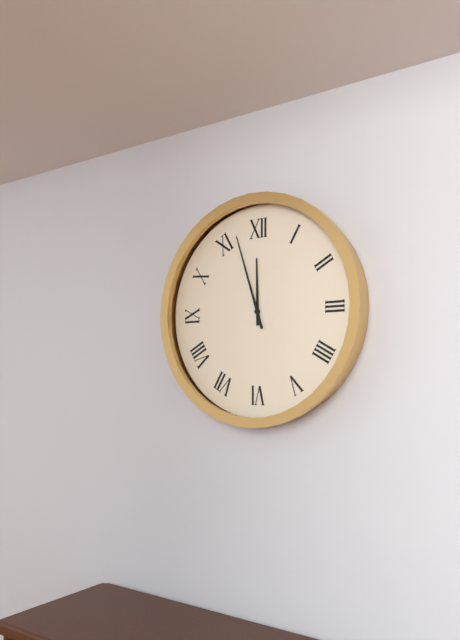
11:57
